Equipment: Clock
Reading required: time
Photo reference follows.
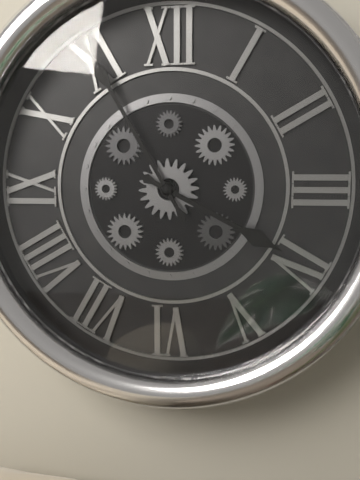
3:55
